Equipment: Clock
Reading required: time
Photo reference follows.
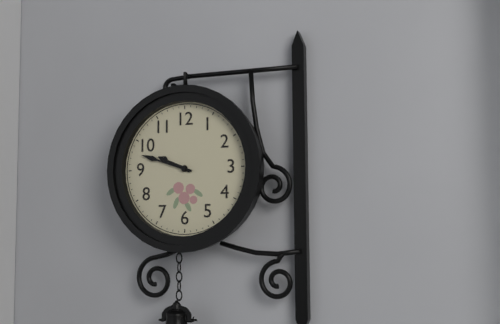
9:48
